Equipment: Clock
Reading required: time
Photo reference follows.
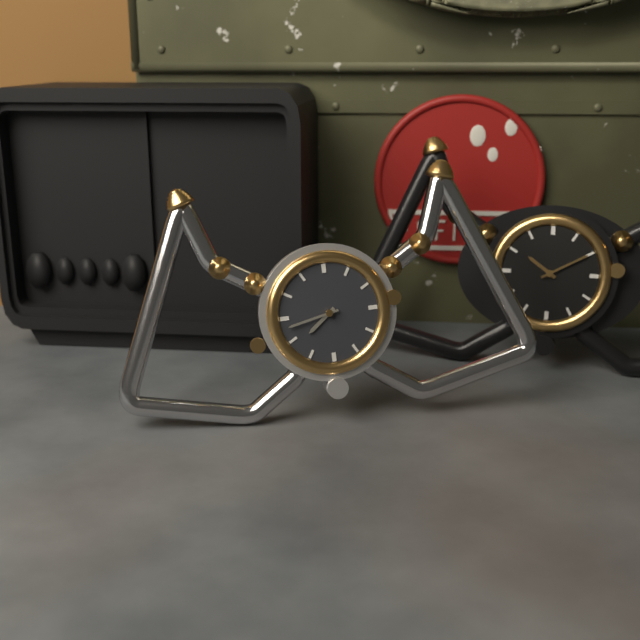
7:43
